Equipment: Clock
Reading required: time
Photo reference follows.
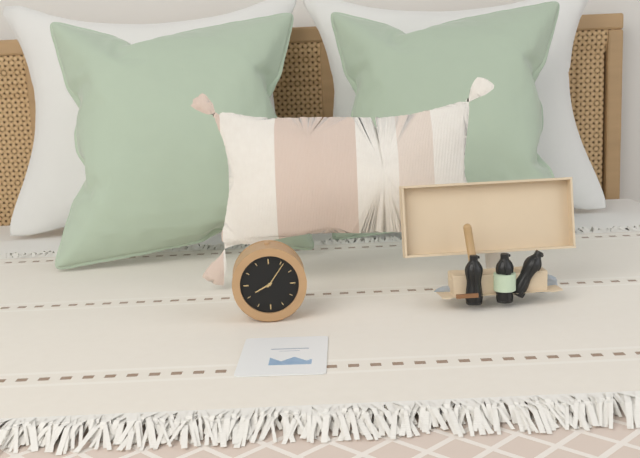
8:06
